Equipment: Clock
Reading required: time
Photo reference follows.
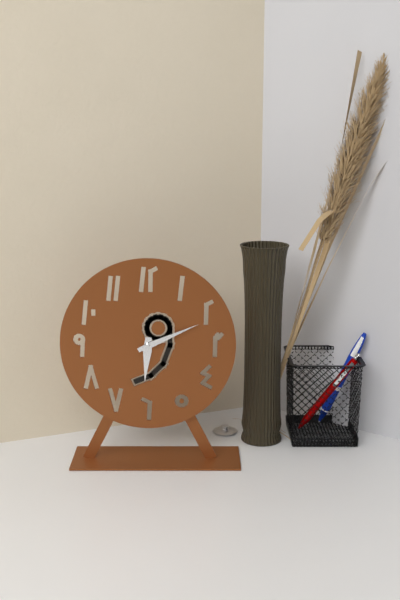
6:11
